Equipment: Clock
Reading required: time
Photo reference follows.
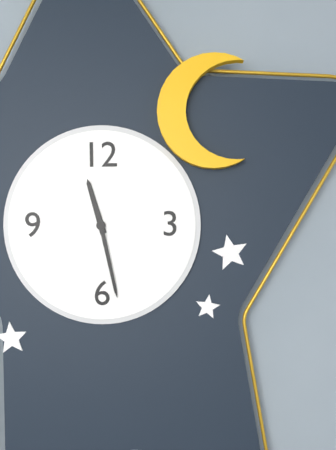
11:28
